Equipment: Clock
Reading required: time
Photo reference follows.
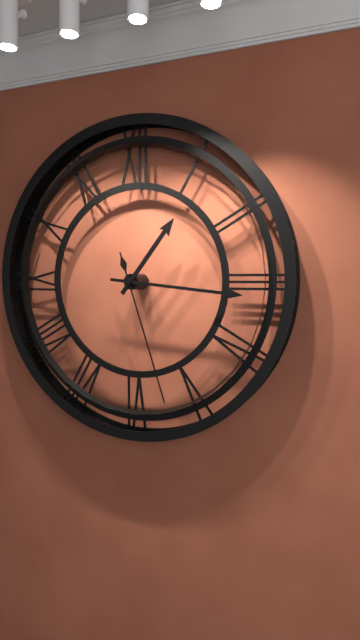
1:16:27
